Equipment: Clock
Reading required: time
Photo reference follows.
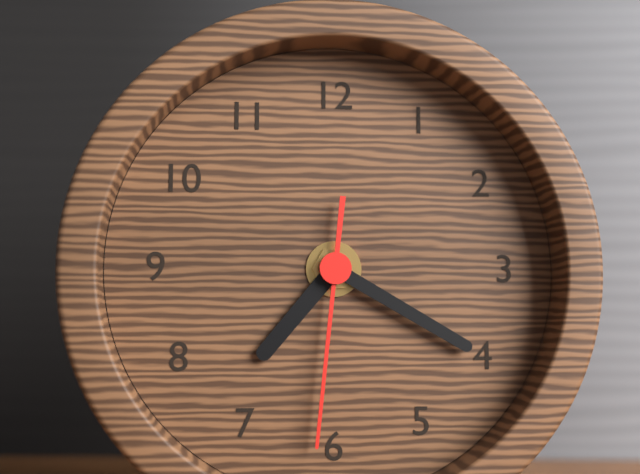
7:20:31
